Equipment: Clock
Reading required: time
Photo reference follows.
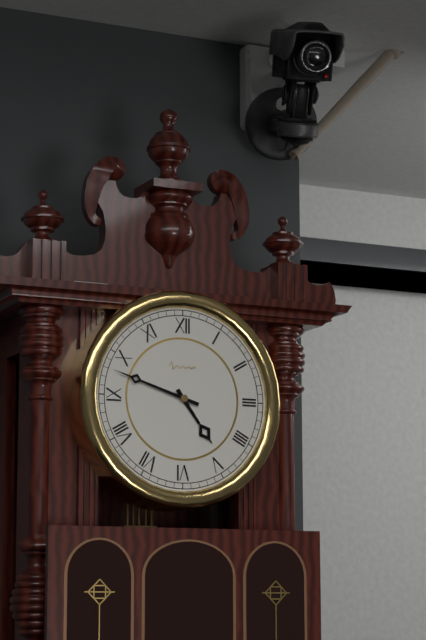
4:48
